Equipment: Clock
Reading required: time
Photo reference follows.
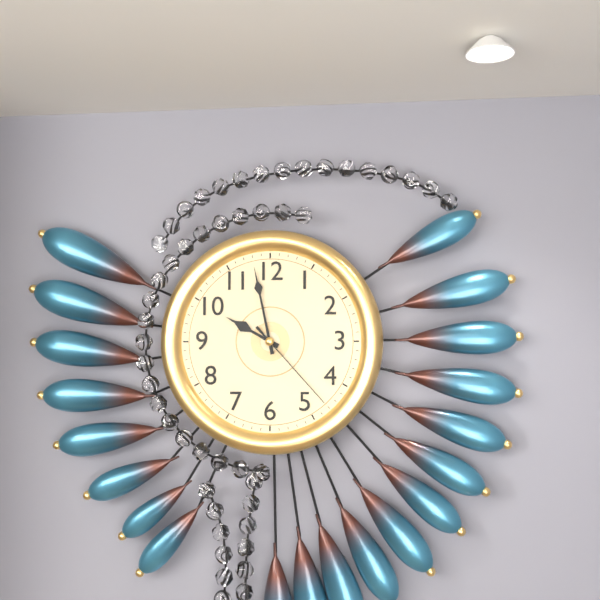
9:58:23
